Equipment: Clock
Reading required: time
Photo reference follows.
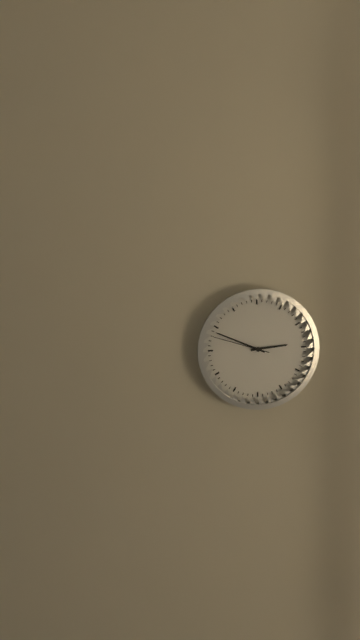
2:49:48
